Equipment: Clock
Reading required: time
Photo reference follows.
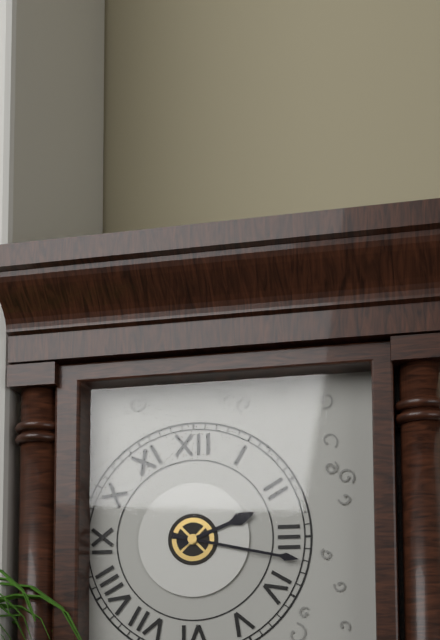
2:17
